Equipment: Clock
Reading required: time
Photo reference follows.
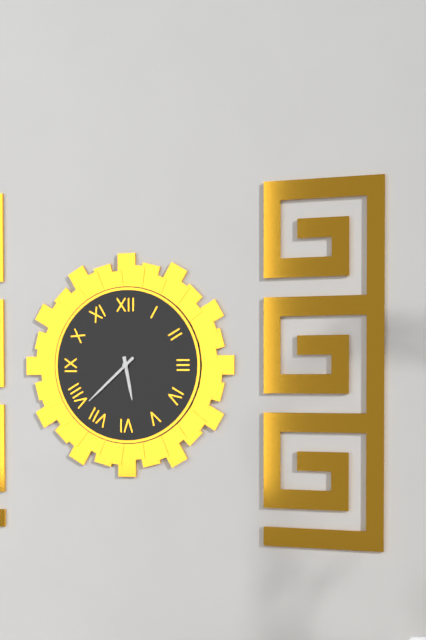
5:38
